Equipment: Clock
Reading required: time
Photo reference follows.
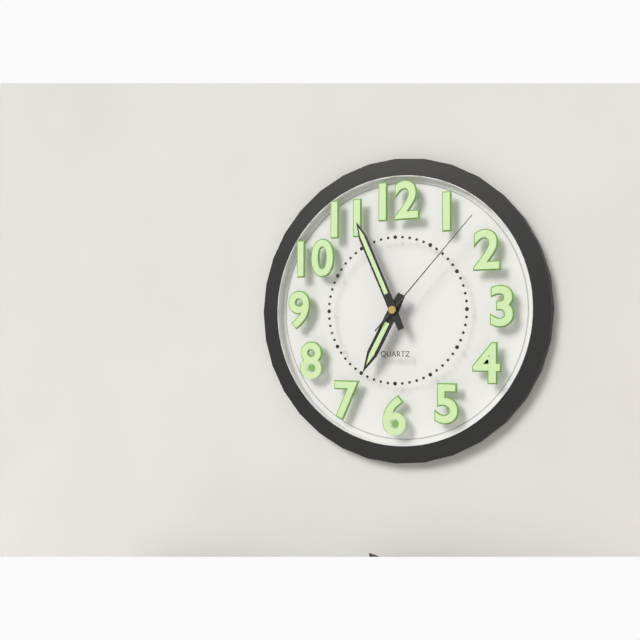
6:56:07
